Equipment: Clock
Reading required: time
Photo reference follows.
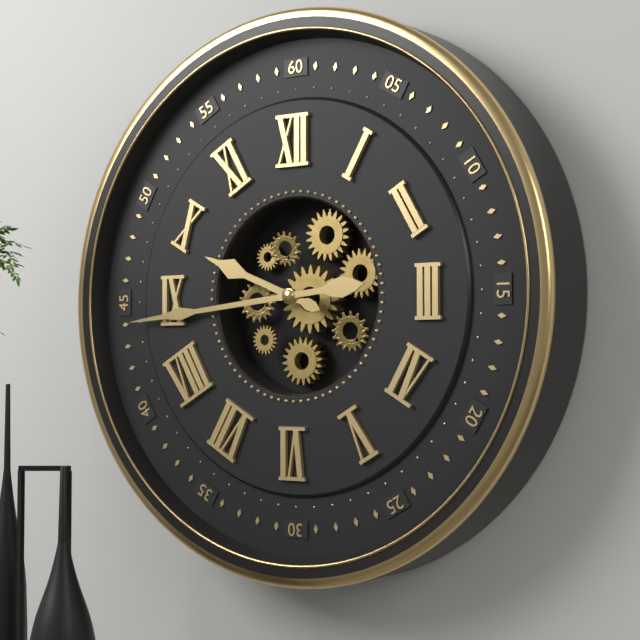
9:44
